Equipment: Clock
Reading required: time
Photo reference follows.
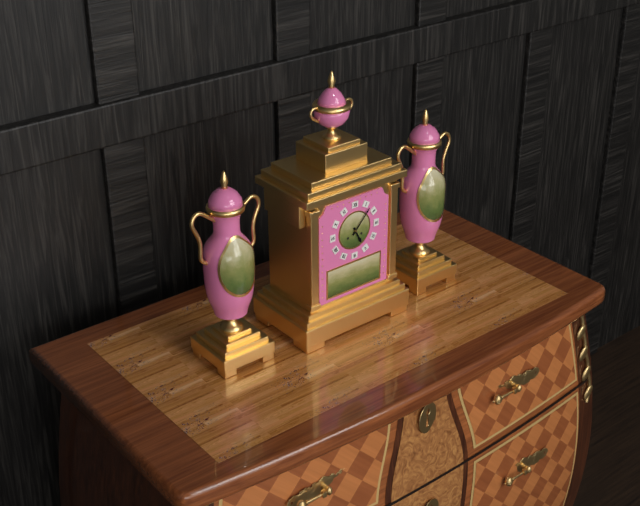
5:07
